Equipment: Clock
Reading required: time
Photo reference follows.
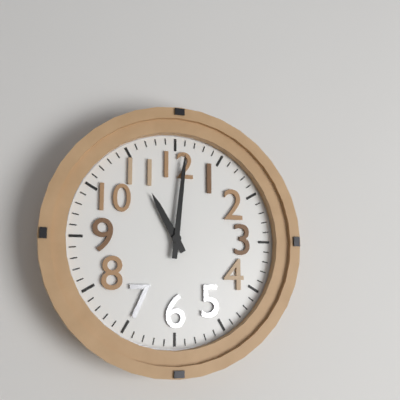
11:01
